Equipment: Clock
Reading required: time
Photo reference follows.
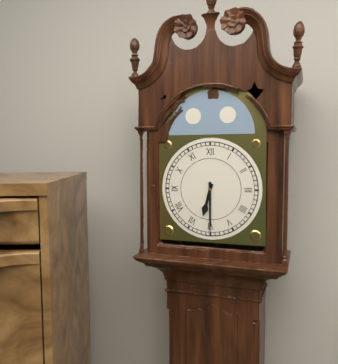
6:30
